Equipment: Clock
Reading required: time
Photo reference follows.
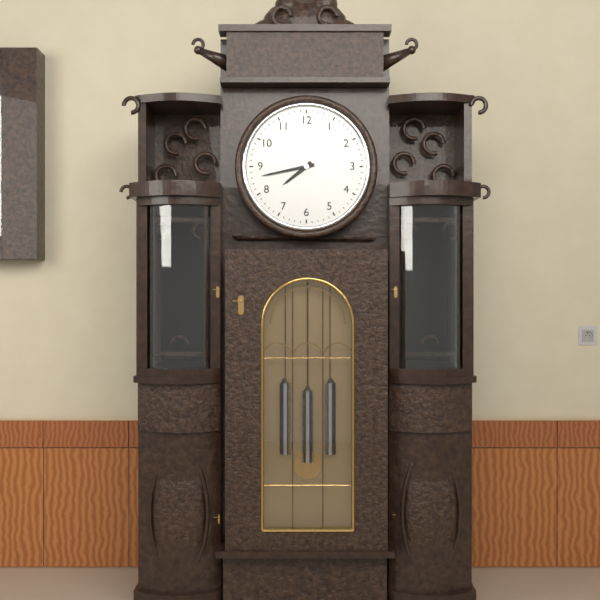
7:43
